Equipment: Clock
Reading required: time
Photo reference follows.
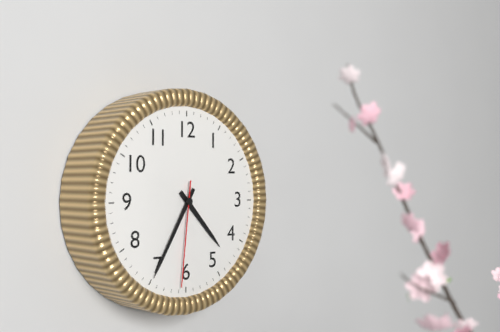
4:35:31
